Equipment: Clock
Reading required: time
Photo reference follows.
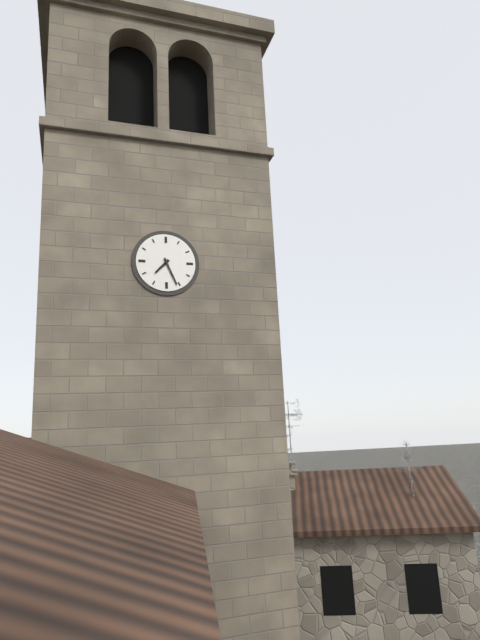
7:26
